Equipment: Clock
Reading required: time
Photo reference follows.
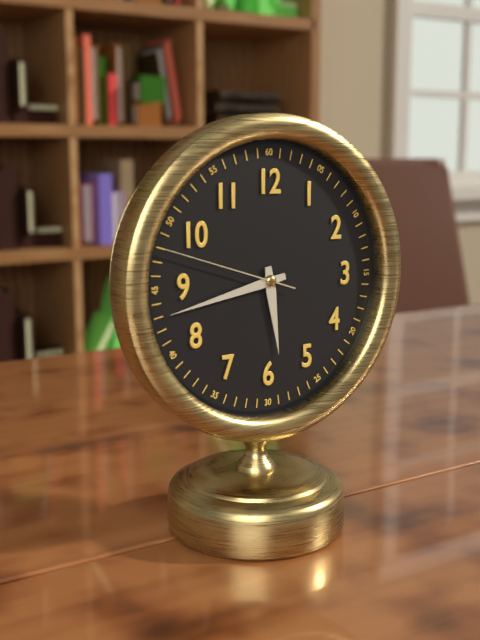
5:43:48
